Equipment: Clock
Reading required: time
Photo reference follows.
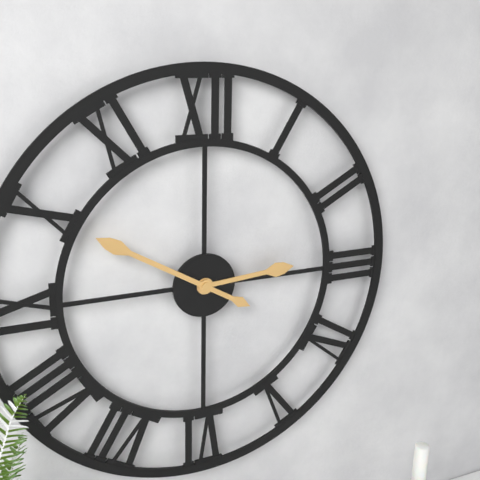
2:50
